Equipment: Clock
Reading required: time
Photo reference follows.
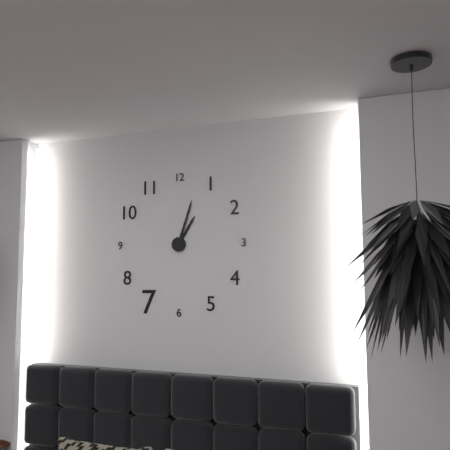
1:03
